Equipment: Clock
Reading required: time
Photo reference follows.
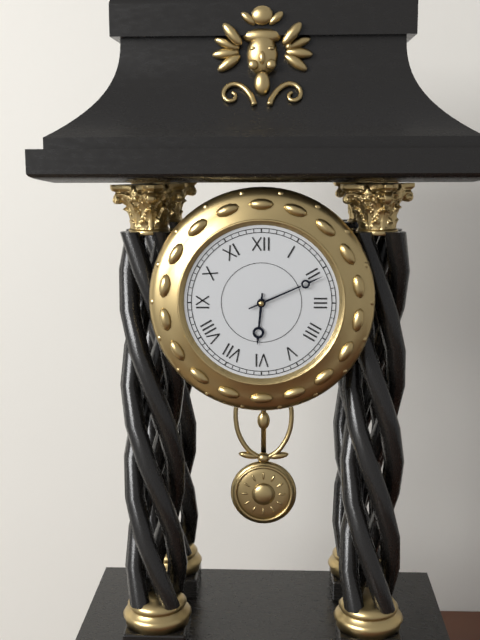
6:11
